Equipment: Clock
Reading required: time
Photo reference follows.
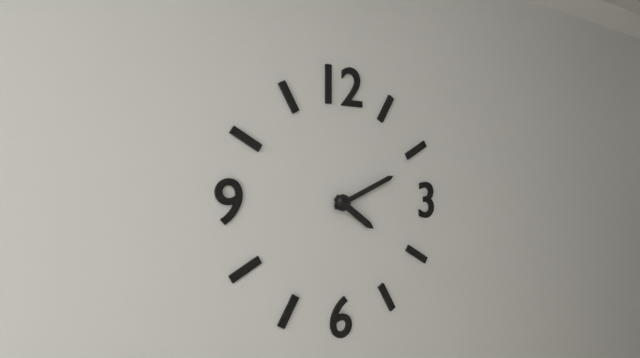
4:11
